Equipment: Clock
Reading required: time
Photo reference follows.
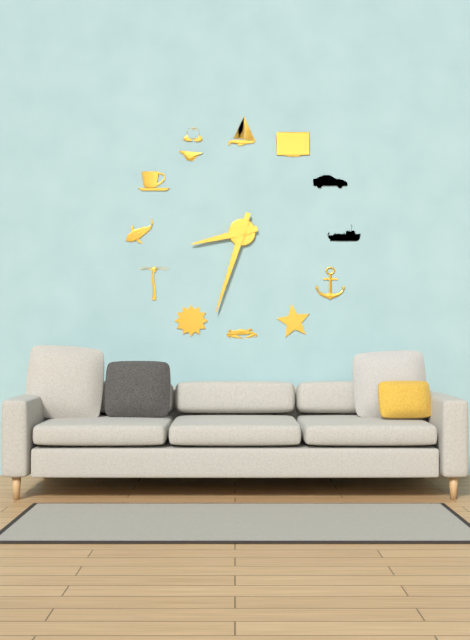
8:33
